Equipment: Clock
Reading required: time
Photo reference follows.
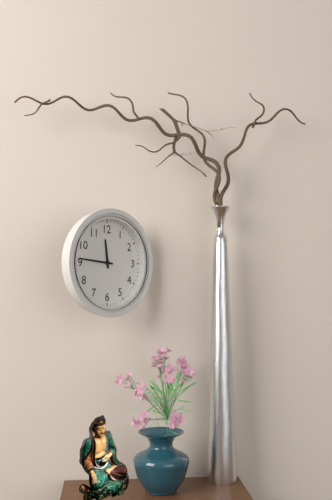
11:46
